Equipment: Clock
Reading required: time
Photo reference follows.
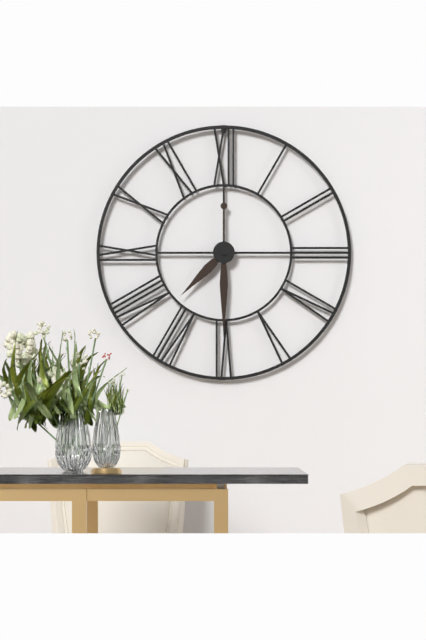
7:30
